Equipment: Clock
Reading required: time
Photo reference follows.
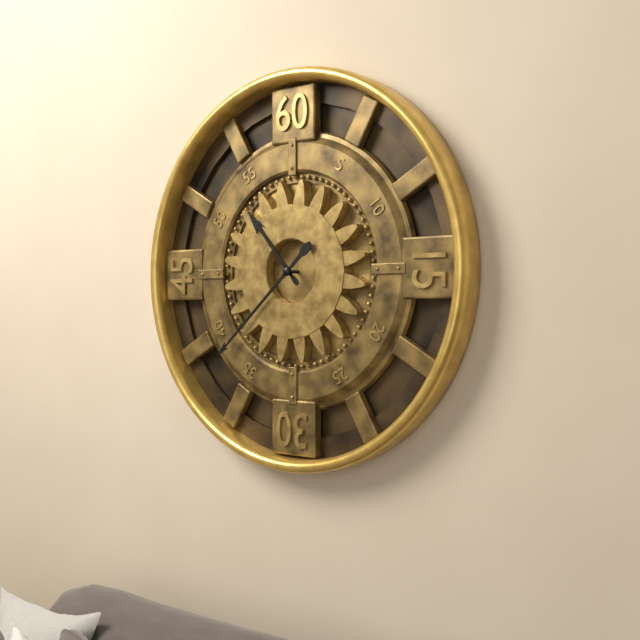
10:38
